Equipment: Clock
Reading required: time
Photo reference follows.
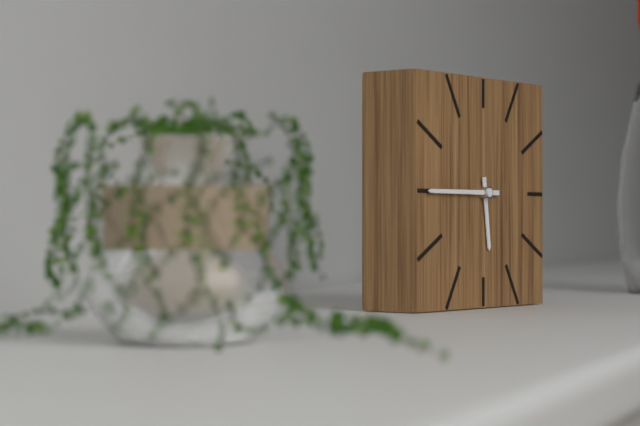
5:45
